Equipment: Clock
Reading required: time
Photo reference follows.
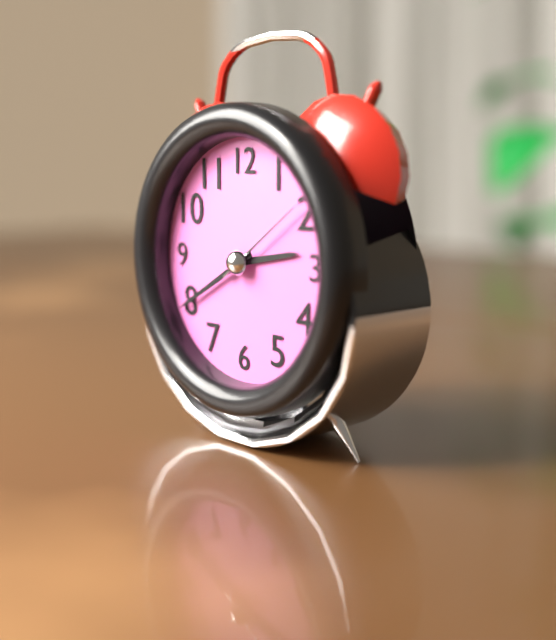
2:40:09
